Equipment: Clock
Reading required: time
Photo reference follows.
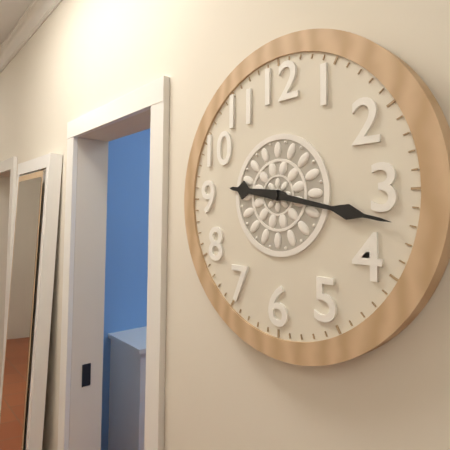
9:17
